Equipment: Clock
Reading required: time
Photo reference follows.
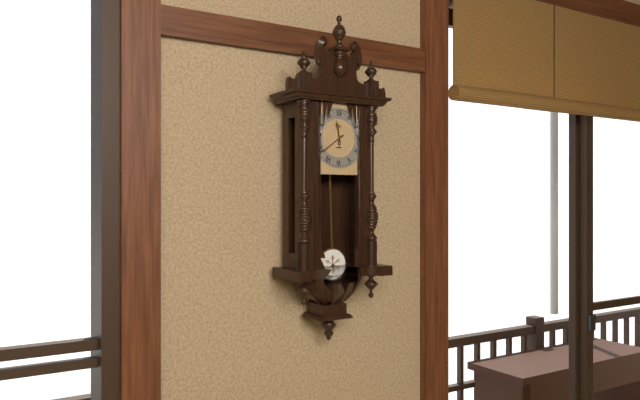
11:39
